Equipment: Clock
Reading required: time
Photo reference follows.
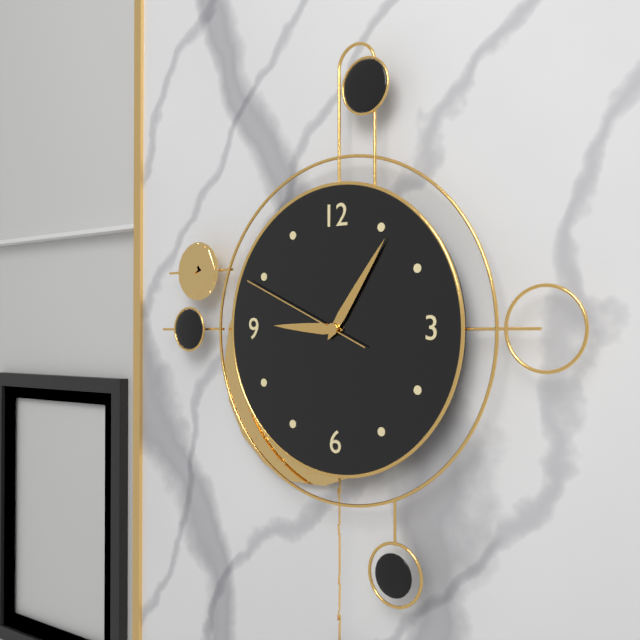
9:06:49
